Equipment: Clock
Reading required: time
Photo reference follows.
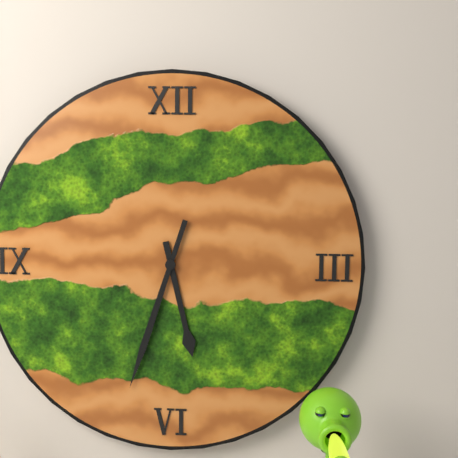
5:33
